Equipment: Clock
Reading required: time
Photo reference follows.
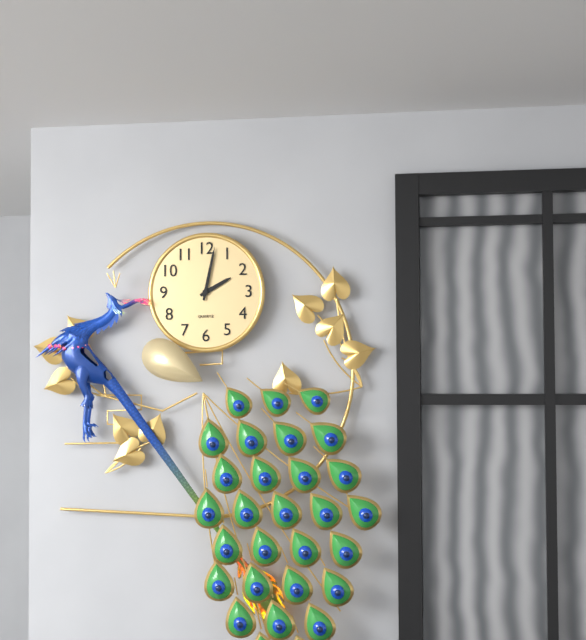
2:02
